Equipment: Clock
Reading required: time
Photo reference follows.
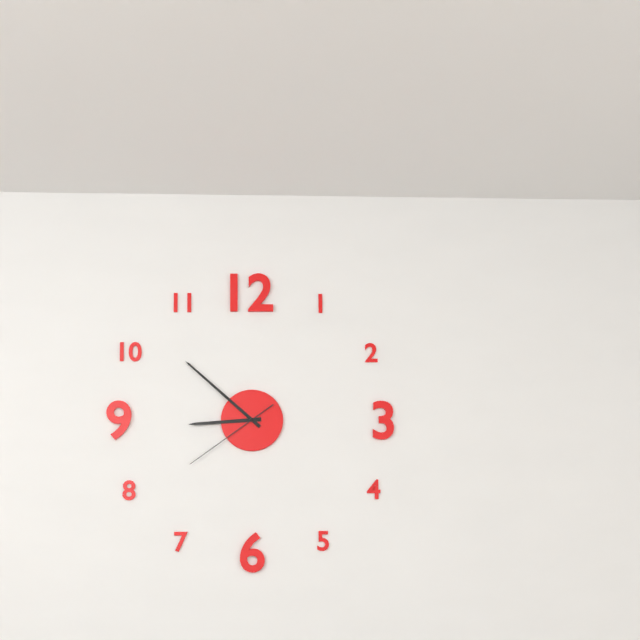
8:52:39
